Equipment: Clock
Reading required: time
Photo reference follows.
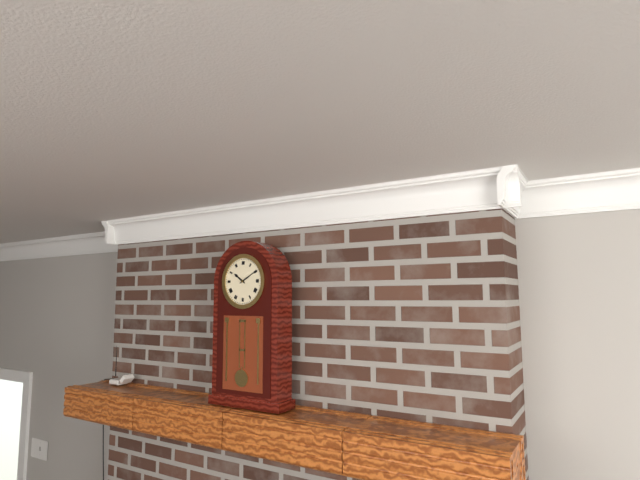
10:10
